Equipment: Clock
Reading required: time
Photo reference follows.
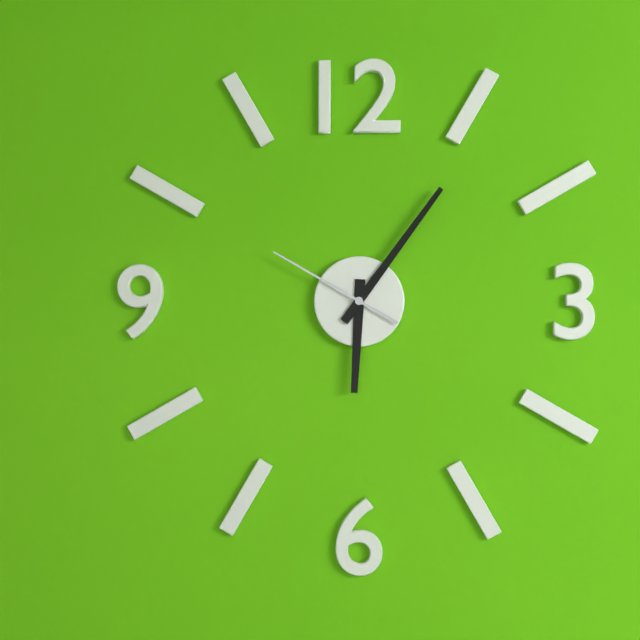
6:06:50
